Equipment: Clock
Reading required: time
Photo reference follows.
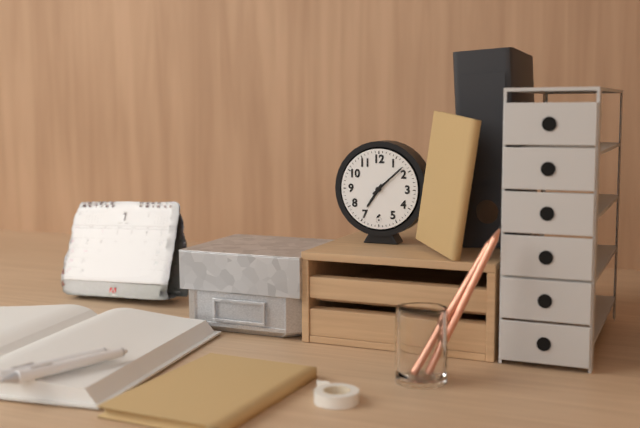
7:08
